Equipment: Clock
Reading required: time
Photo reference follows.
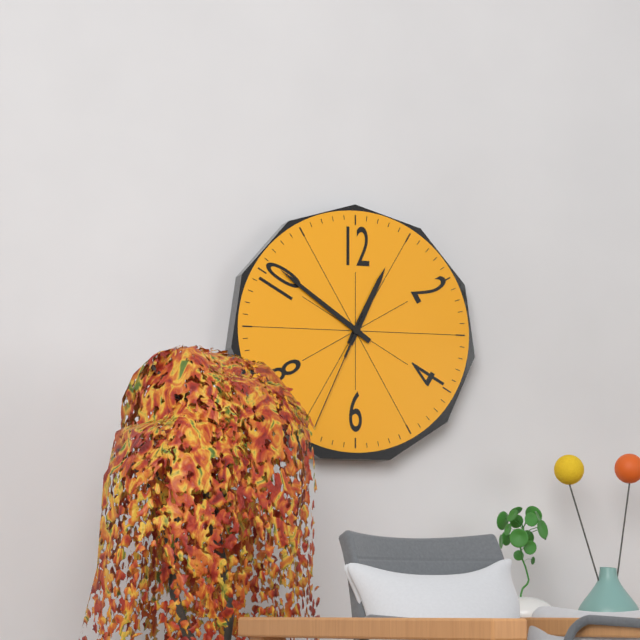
12:51:34
